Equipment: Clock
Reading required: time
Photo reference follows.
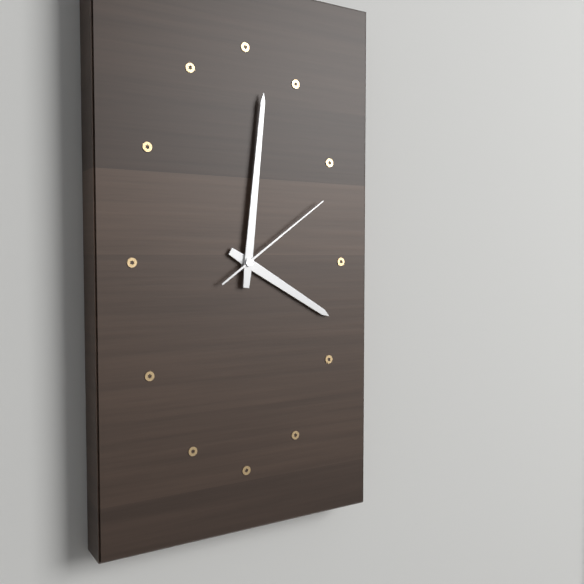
4:01:09
